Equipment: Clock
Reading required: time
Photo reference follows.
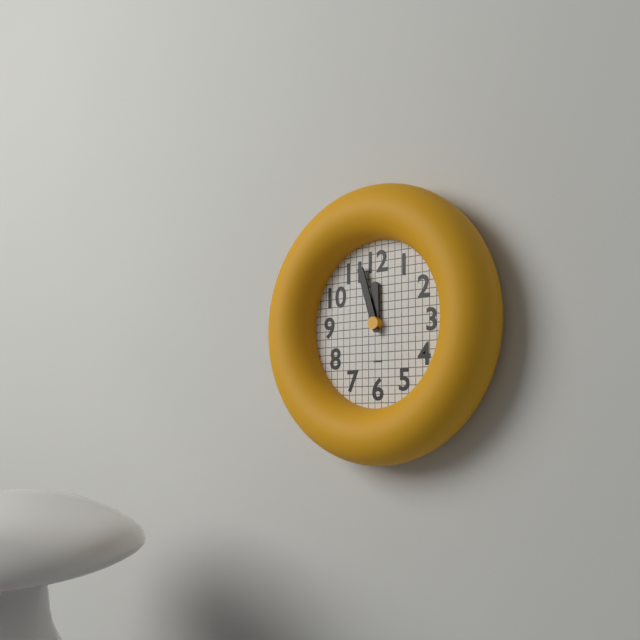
11:57
